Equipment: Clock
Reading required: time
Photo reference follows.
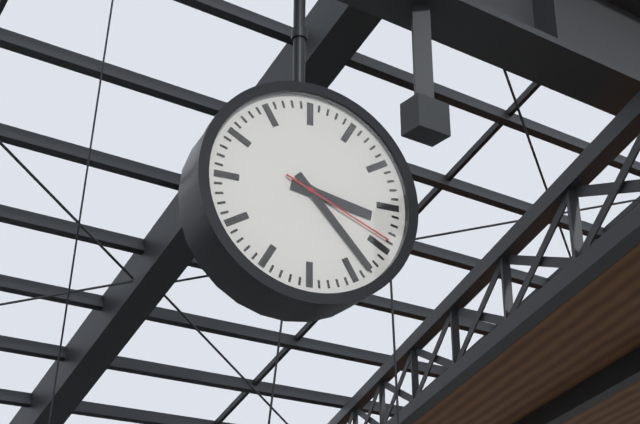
3:23:19
